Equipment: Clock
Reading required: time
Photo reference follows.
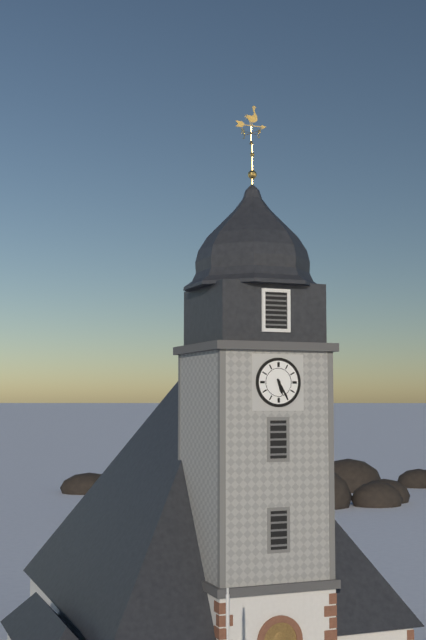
5:25
